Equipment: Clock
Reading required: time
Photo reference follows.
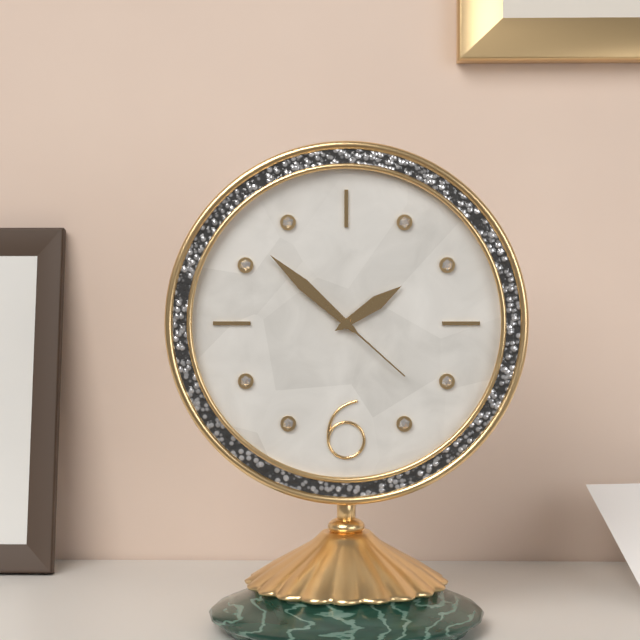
1:52:22
